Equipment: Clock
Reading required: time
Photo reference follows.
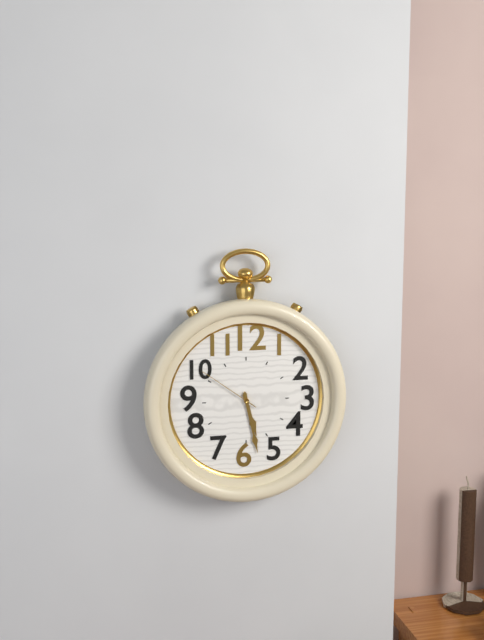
5:28:51
